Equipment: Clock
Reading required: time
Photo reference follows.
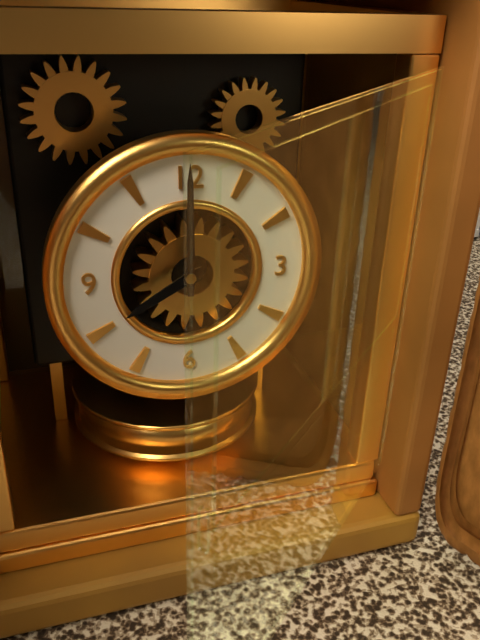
8:00
